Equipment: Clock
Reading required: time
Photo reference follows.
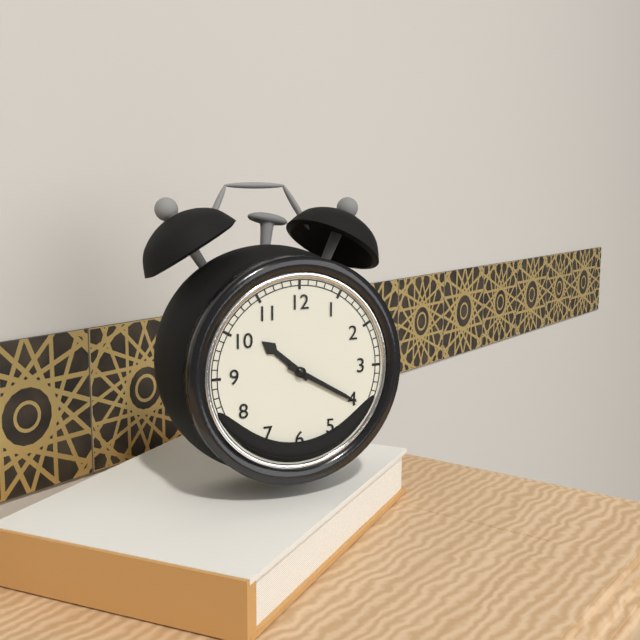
10:20
